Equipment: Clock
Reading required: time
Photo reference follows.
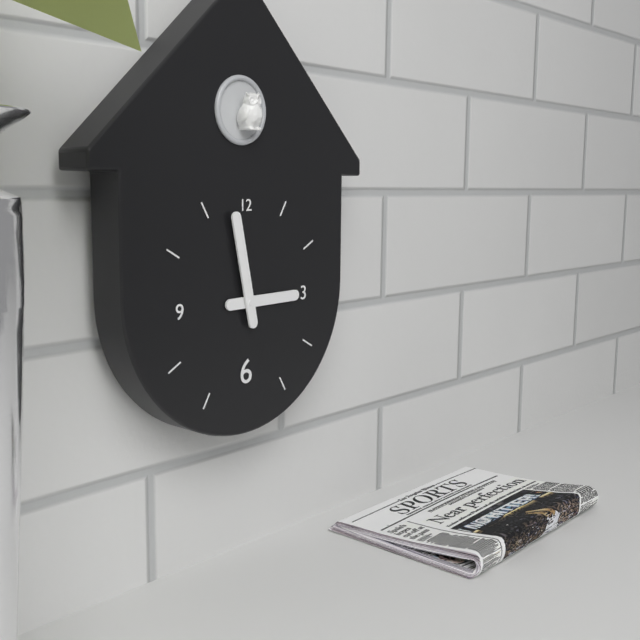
2:58
